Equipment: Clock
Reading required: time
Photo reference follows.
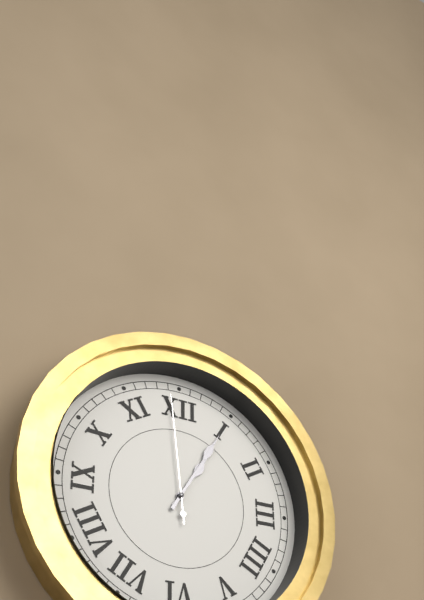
1:05:59
